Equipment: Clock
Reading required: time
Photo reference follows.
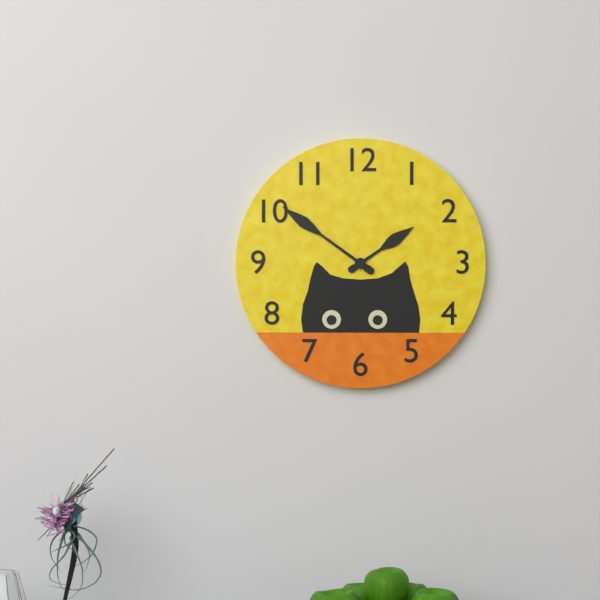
1:51
